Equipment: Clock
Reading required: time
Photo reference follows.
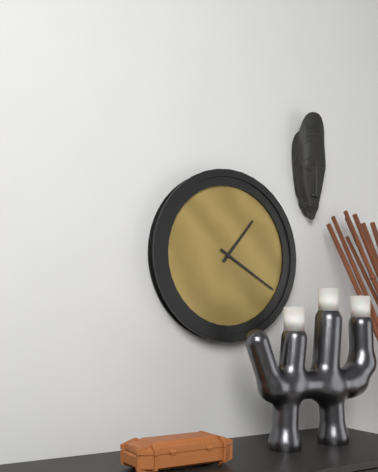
1:20
